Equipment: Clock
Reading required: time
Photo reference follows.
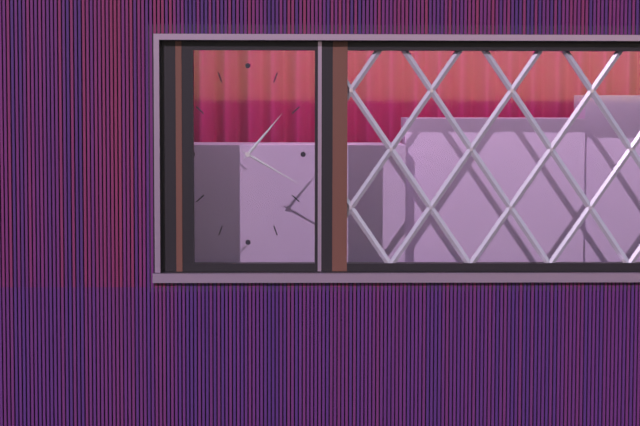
1:20
